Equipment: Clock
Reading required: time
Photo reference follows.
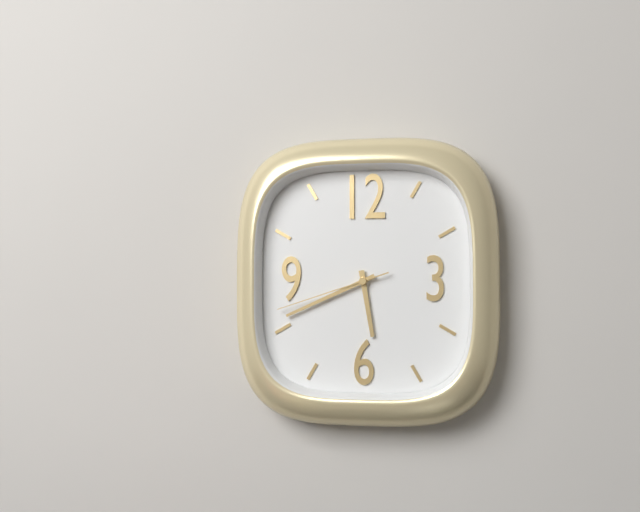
5:41:42
